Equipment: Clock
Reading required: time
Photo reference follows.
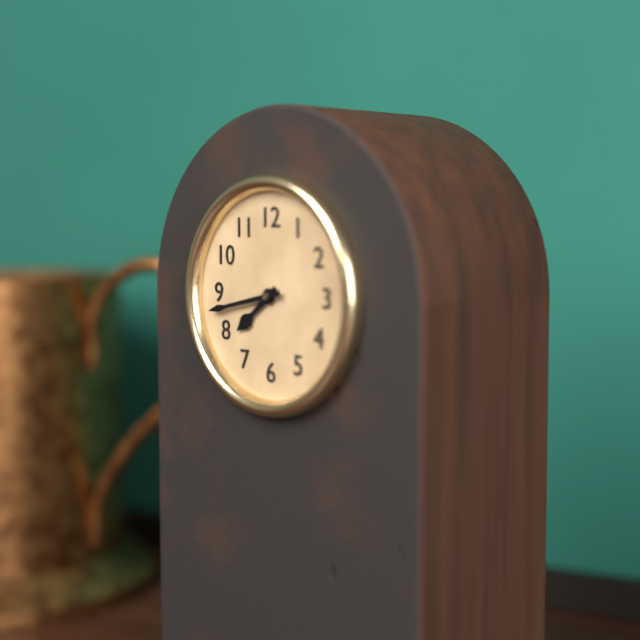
7:43
